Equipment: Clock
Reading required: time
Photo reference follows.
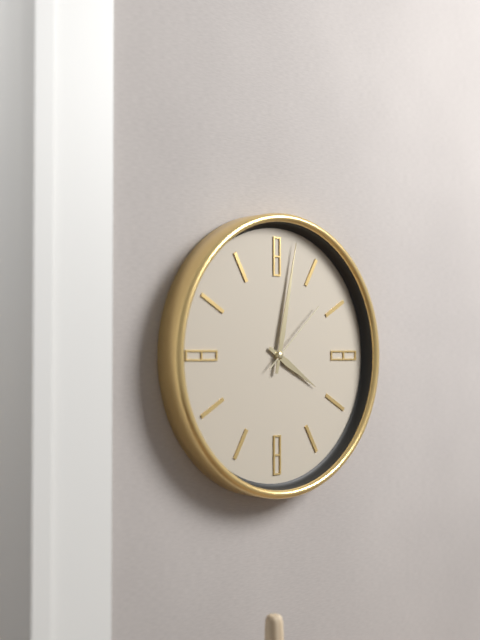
4:02:08
